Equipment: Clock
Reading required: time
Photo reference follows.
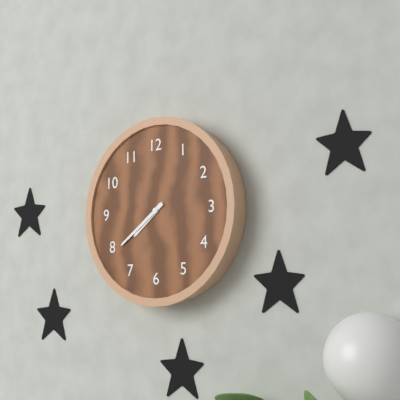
7:39
